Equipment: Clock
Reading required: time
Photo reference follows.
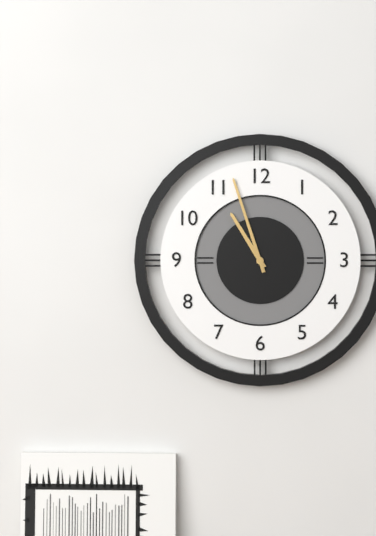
10:57
